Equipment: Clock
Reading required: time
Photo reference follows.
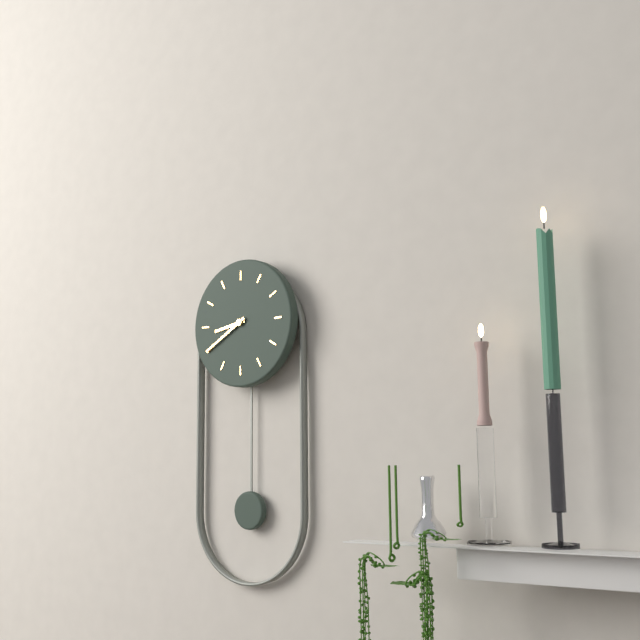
8:40
